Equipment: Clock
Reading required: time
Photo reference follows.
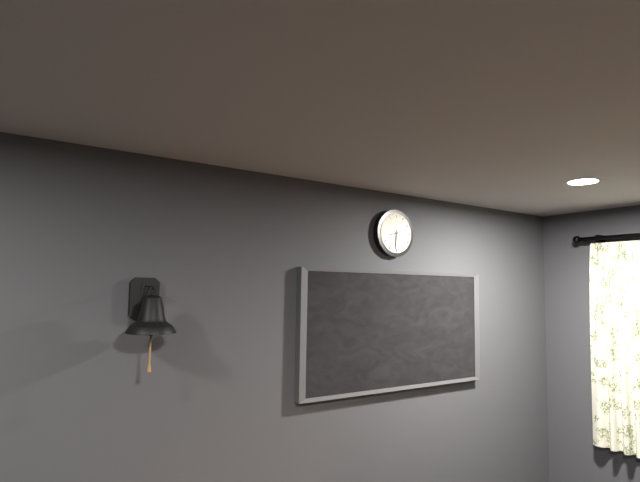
8:31
